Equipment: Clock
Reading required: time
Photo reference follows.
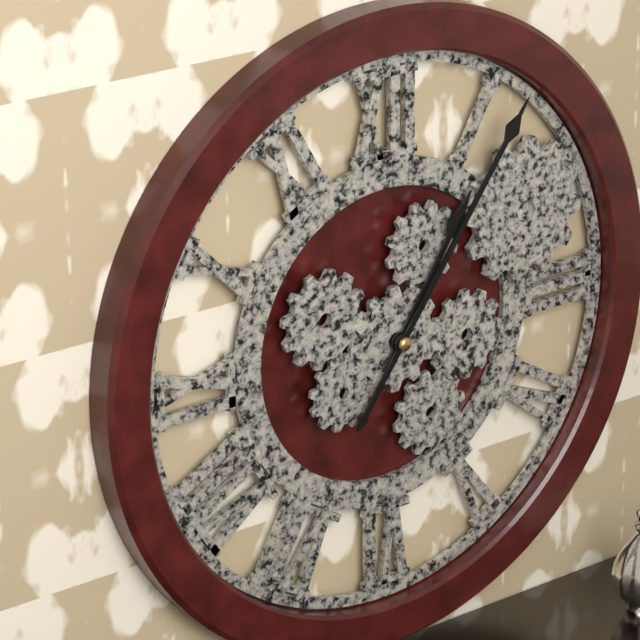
1:06
